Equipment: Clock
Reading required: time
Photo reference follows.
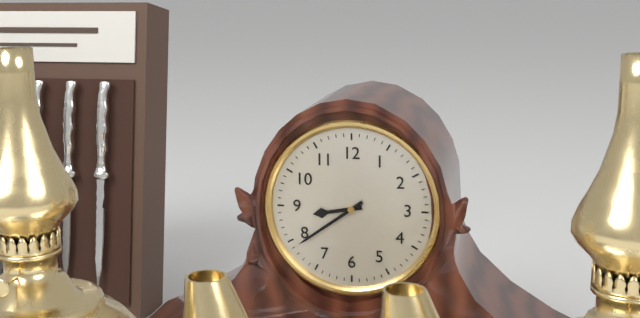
8:39
